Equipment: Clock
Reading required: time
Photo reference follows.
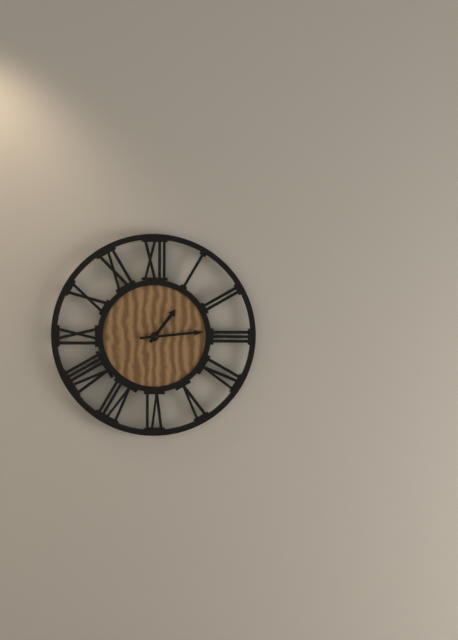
1:14
